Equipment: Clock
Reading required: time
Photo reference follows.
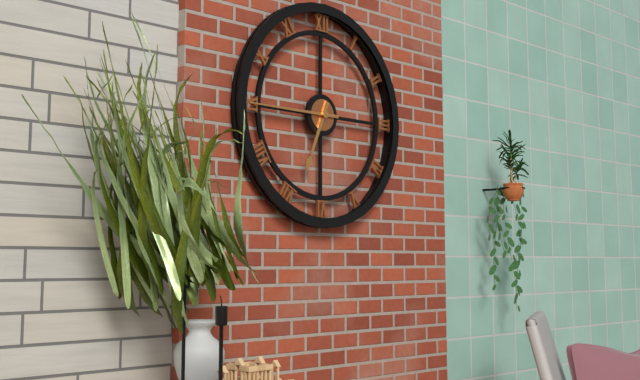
6:45
